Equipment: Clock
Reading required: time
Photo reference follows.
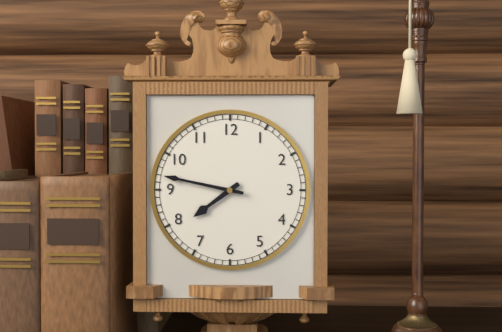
7:47
